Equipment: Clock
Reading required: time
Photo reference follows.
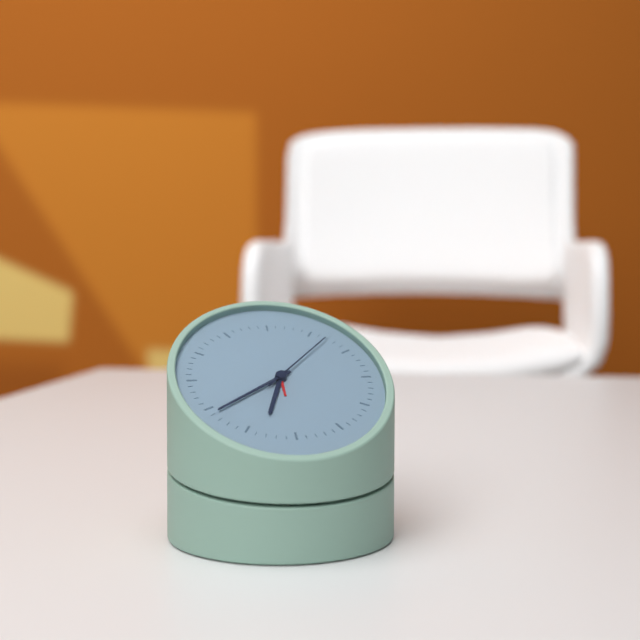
6:39:07
